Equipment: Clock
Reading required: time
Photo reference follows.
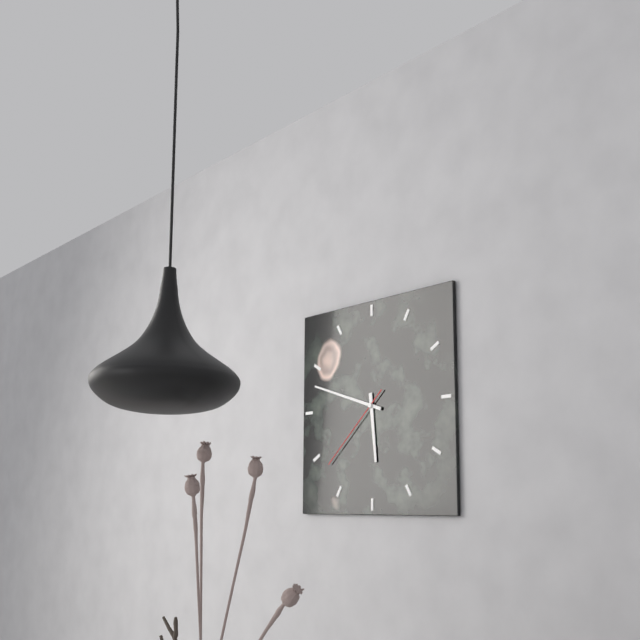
5:48:38
